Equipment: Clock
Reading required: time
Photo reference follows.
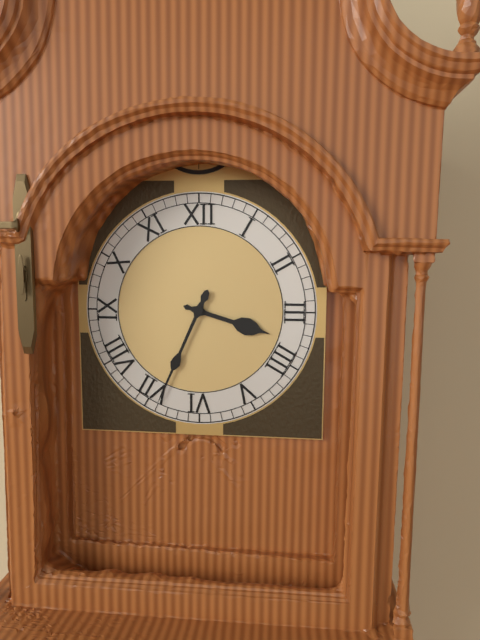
3:34
